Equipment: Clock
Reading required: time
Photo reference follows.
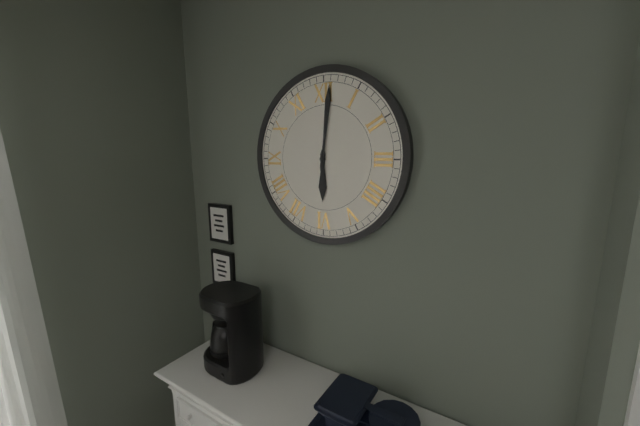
6:01
